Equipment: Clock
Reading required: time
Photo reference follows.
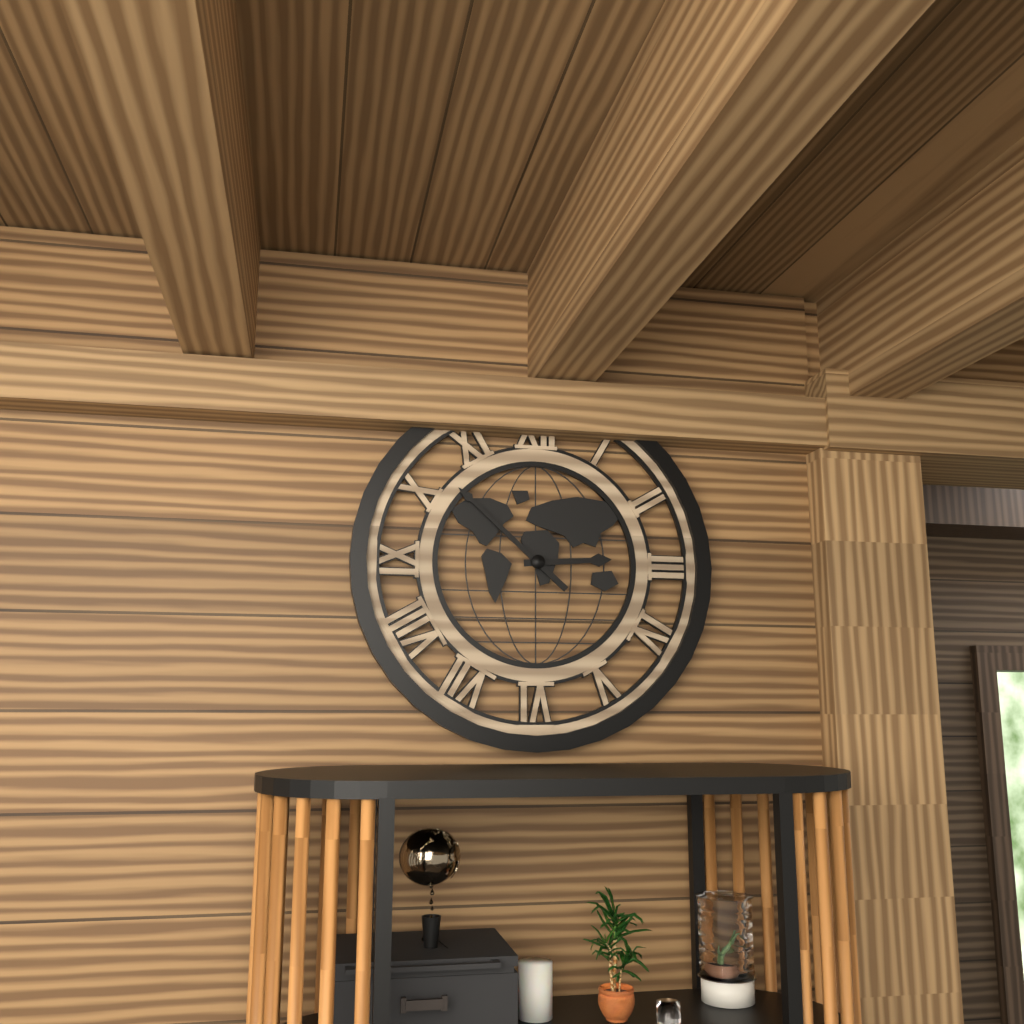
2:52
